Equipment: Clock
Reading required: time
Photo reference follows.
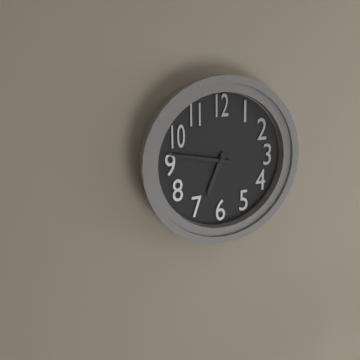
6:47
